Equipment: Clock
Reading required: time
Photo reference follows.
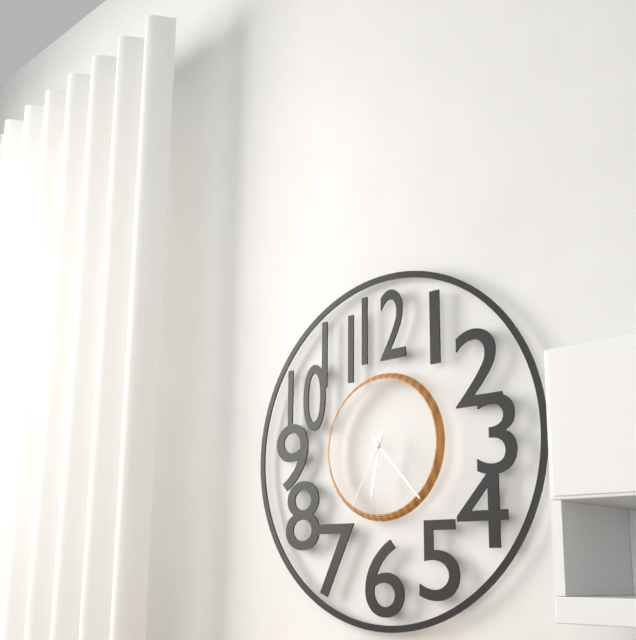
6:23:35
